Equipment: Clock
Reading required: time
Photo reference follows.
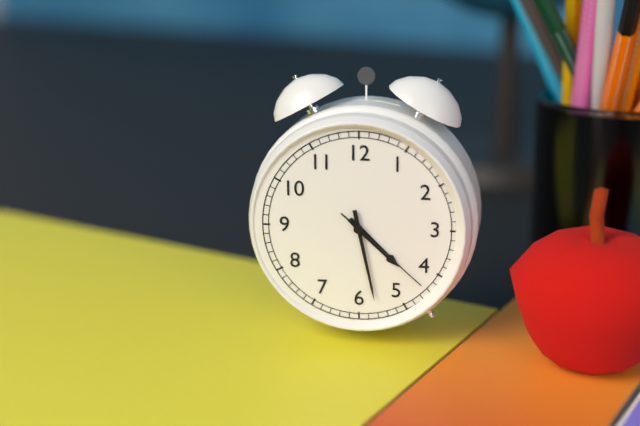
4:28:22
